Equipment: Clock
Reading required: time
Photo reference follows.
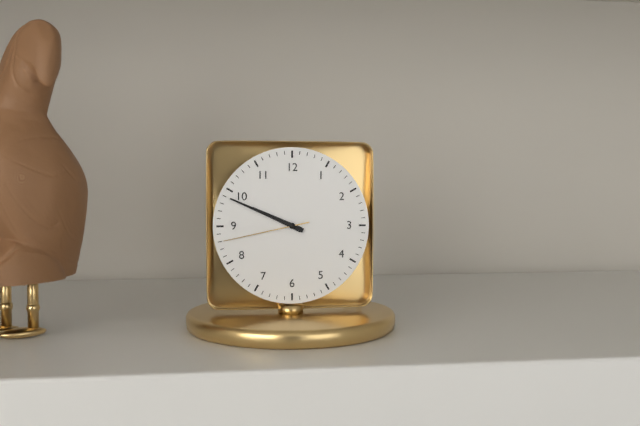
9:49:43
